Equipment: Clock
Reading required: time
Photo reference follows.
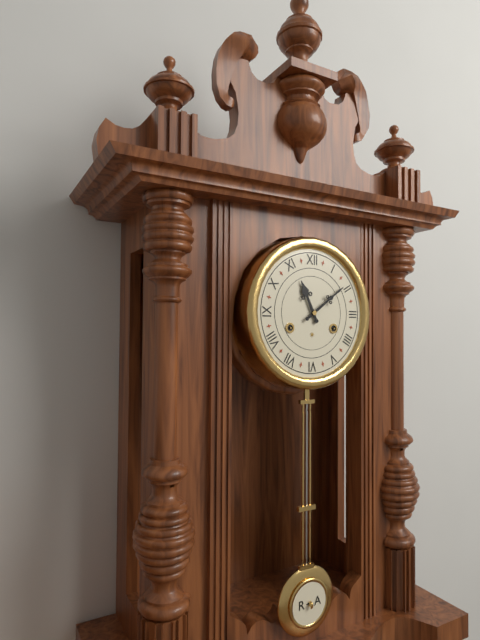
11:09
